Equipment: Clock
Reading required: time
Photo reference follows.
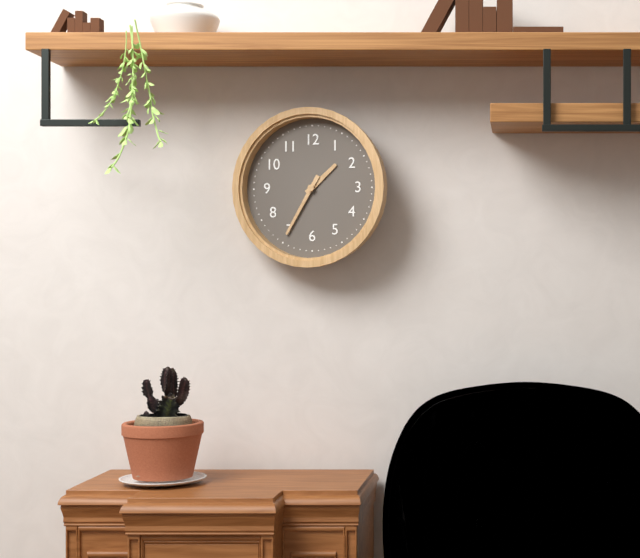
1:35
